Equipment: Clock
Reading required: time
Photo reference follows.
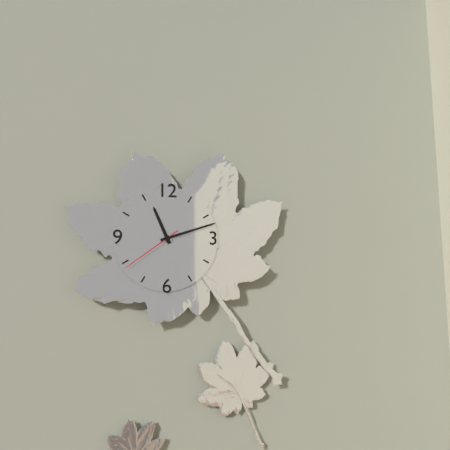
11:12:39
